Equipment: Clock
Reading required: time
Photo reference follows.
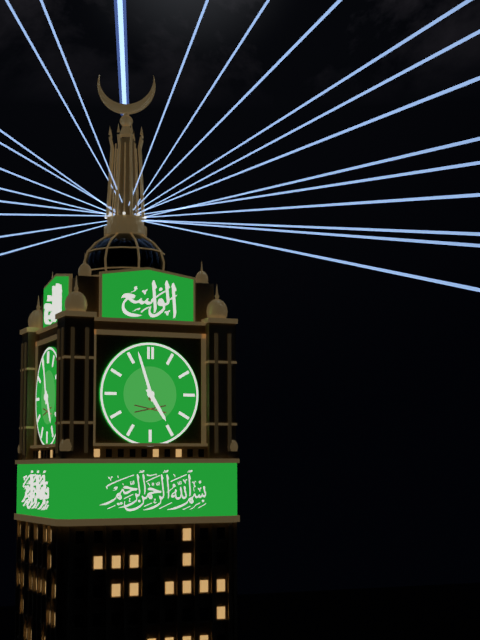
4:57
